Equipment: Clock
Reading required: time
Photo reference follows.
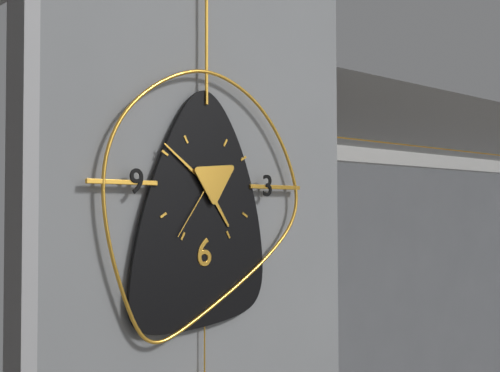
4:51:36
